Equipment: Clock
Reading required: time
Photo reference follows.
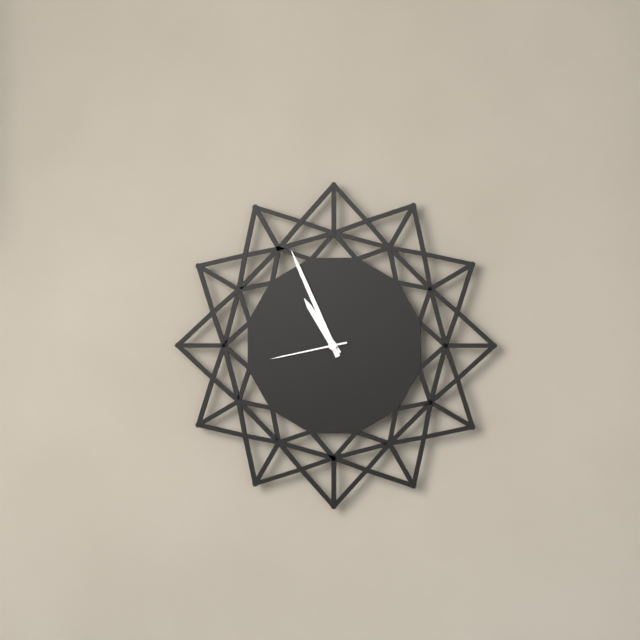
10:56:43
